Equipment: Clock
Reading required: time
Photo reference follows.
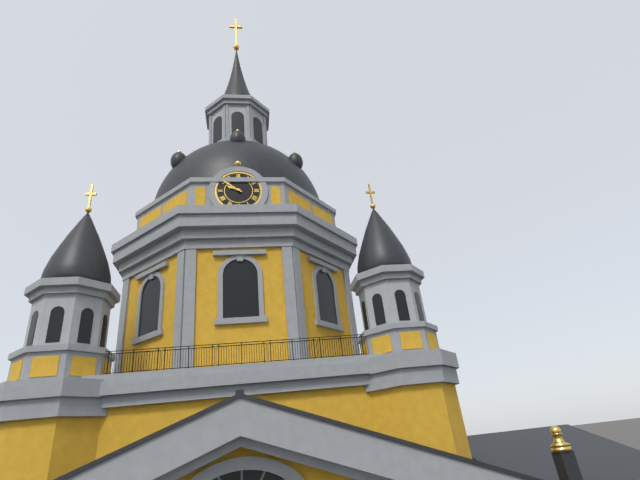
9:51
